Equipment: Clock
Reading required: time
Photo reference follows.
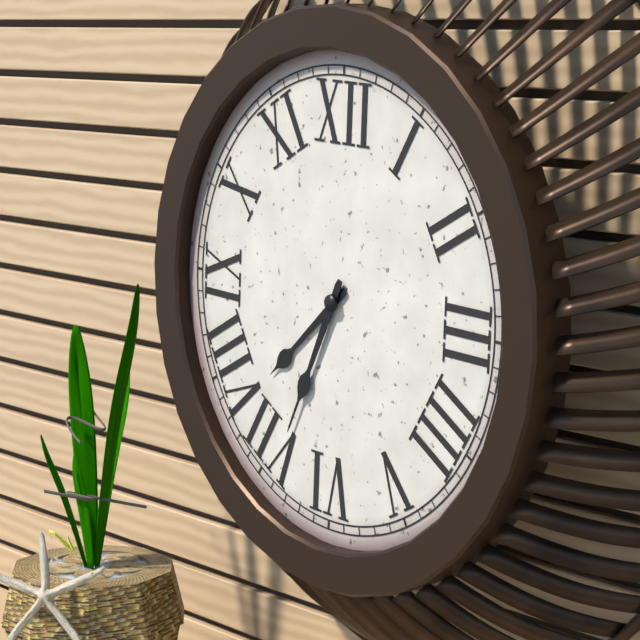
7:34
